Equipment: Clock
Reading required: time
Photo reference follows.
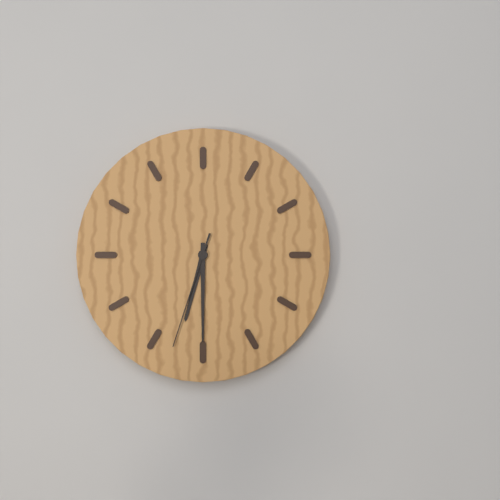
6:30:33
